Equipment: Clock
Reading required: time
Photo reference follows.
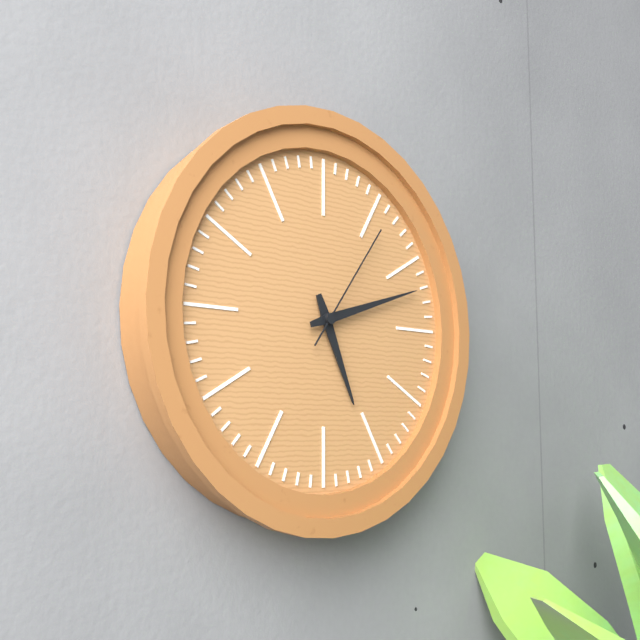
5:12:06
